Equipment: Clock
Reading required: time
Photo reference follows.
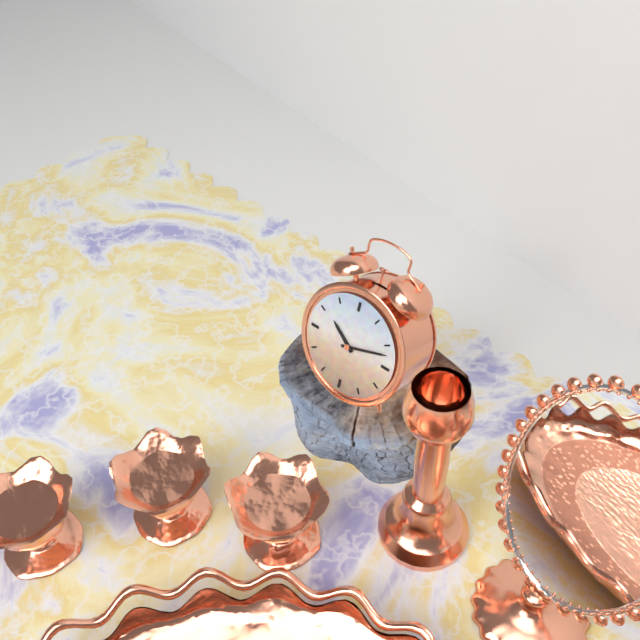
10:12
